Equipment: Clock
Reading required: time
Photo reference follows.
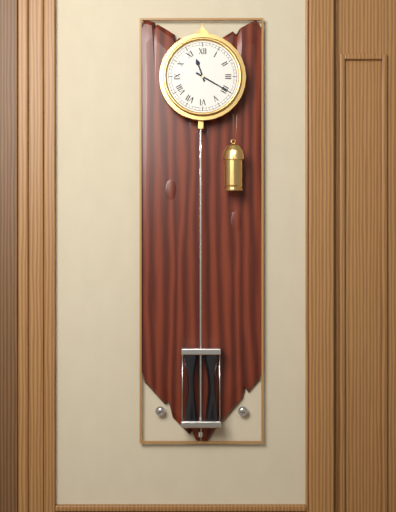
11:20
